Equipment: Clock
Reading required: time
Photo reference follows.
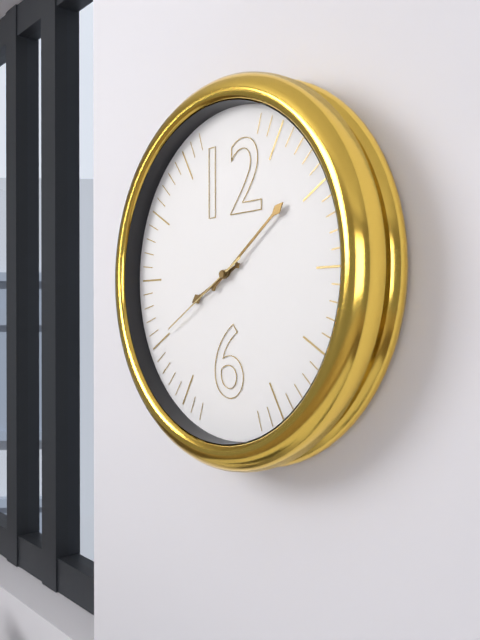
8:09:40
